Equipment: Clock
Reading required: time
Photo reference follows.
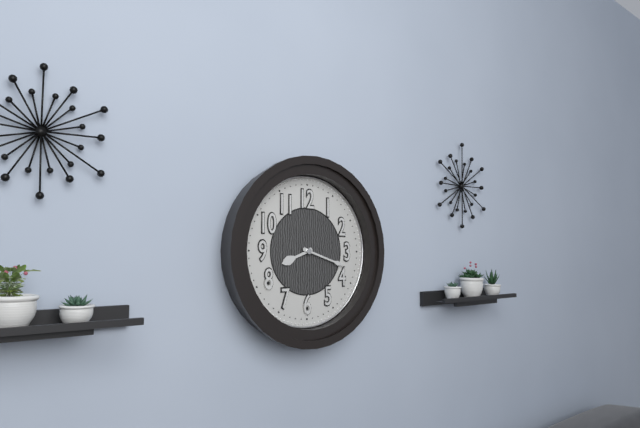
8:18
